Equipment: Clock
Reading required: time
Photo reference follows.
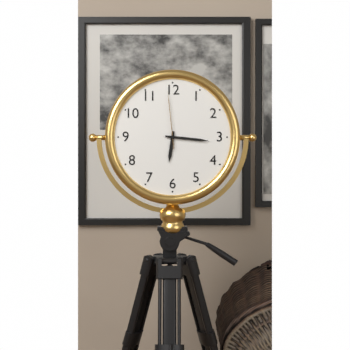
6:16:59
